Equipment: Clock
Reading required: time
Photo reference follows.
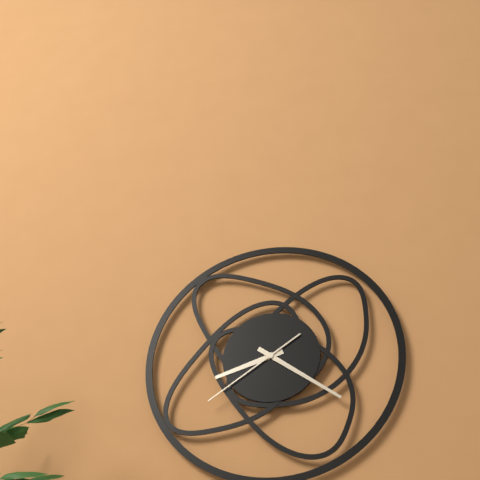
8:21:39
